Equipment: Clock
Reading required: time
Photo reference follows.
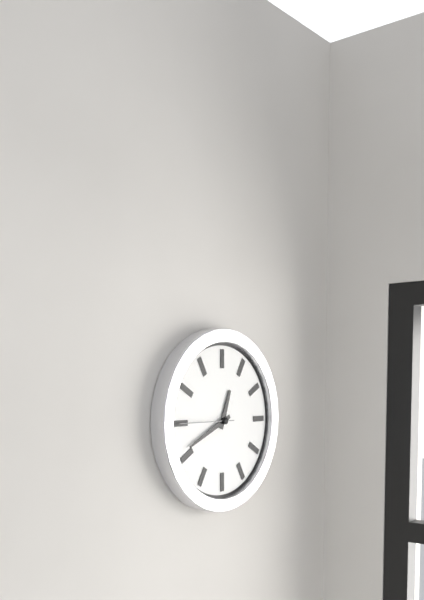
12:41:45
